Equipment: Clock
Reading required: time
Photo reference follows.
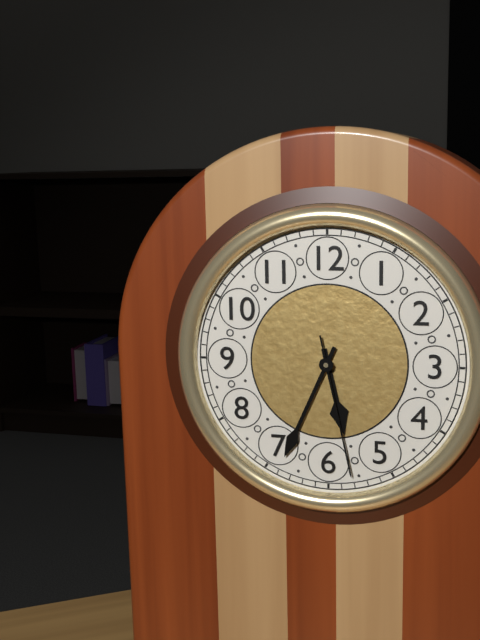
5:34:28
